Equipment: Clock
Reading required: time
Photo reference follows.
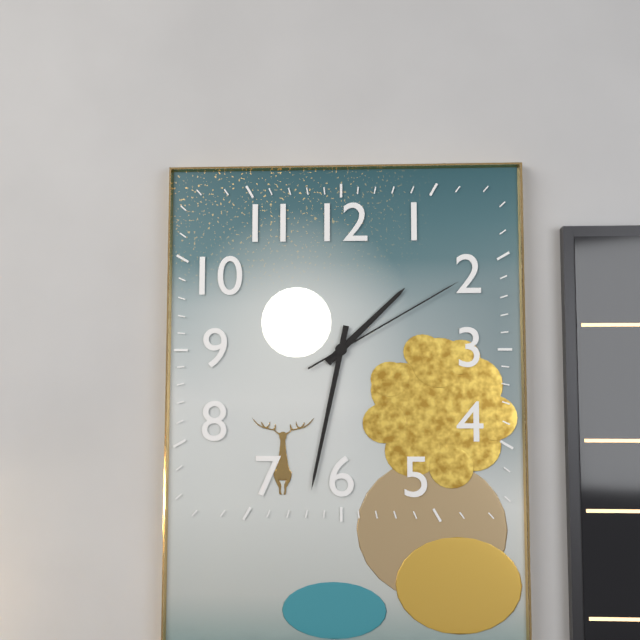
1:32:10
